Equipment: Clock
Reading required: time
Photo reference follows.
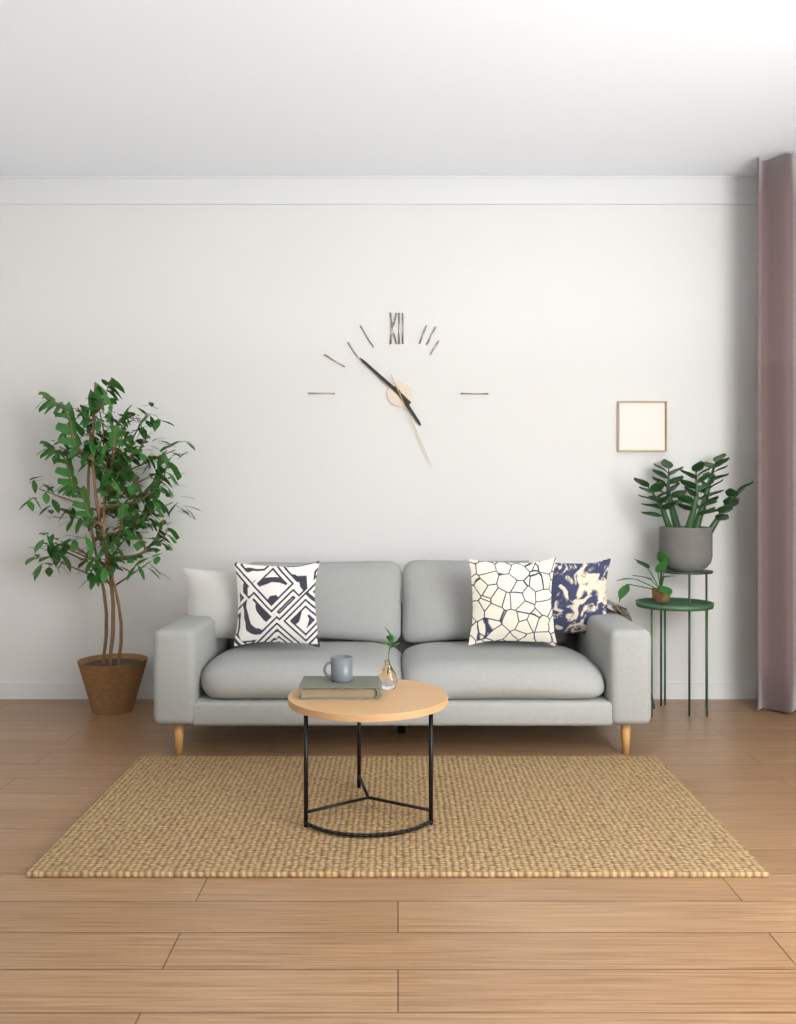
4:52:26
